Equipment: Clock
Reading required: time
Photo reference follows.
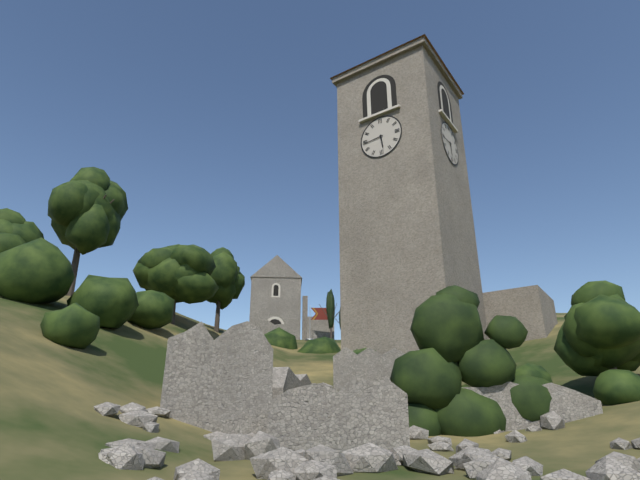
5:44
